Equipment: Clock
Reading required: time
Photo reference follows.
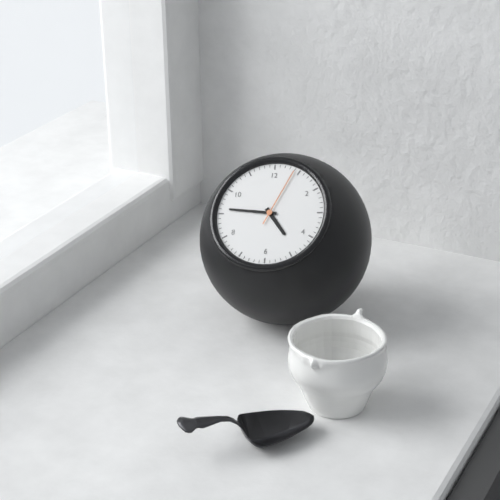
4:46:04
